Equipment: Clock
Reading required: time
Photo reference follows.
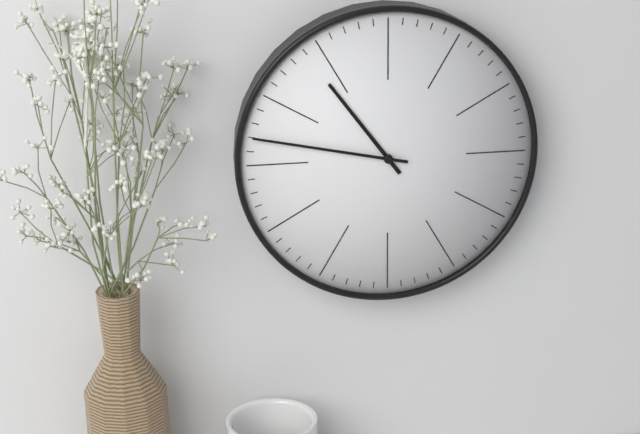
10:47
